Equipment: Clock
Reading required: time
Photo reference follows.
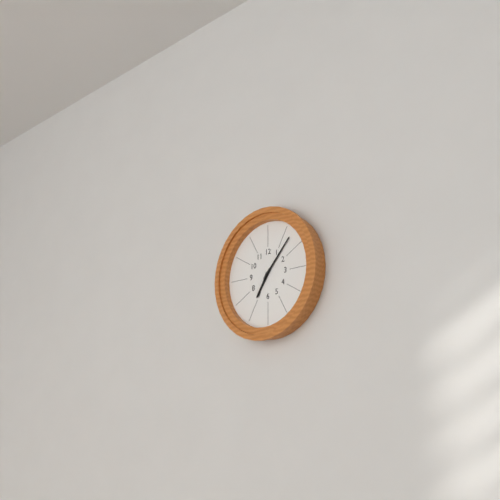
7:07
